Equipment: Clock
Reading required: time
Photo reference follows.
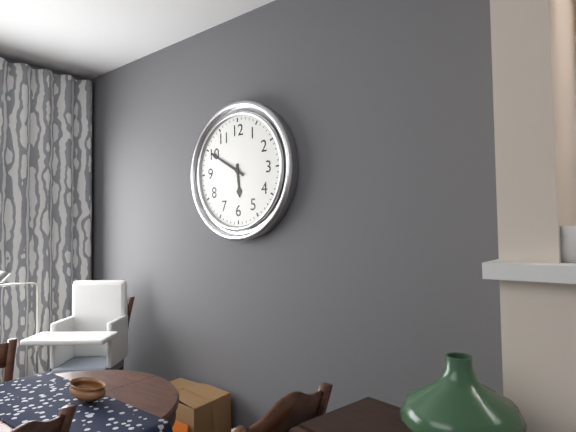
5:50
